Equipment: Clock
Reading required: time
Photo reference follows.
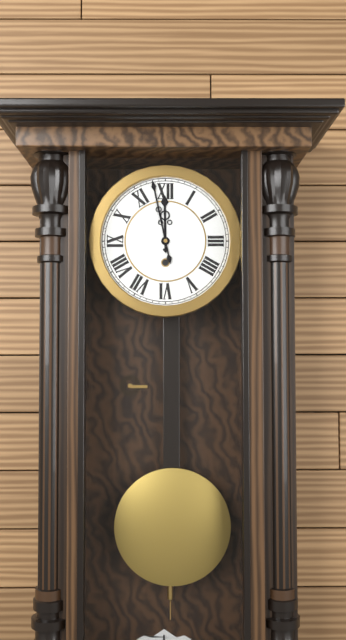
11:58
